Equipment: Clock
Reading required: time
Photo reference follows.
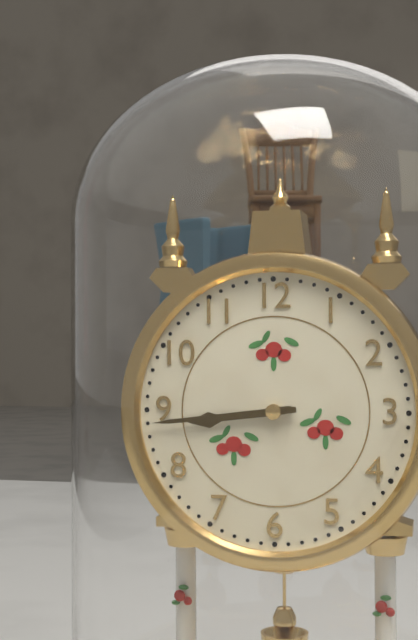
8:44
